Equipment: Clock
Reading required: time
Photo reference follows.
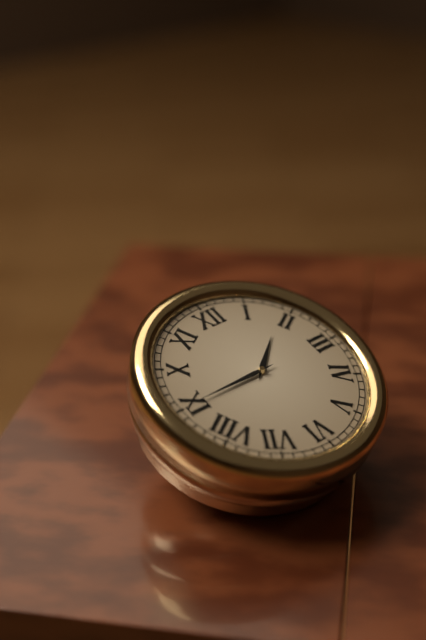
1:45
